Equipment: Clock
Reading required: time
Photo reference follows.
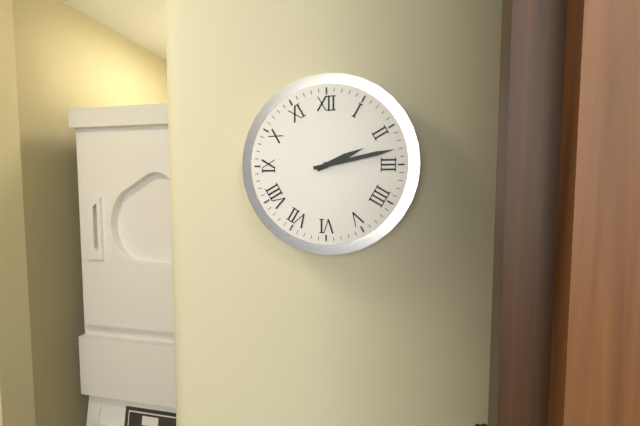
2:13
